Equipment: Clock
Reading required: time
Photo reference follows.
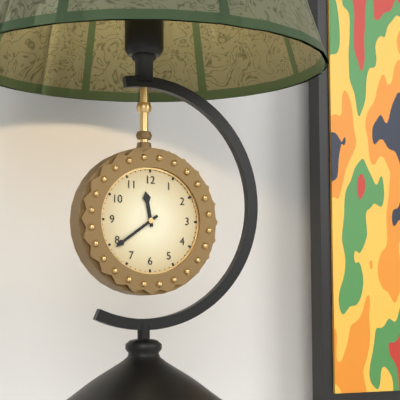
11:39
